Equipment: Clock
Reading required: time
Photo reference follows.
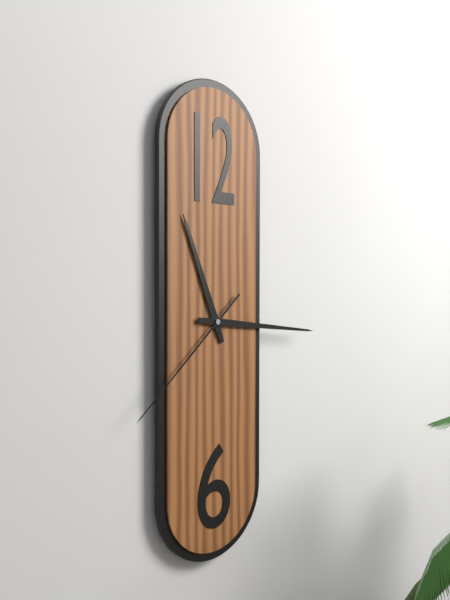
11:16:38
